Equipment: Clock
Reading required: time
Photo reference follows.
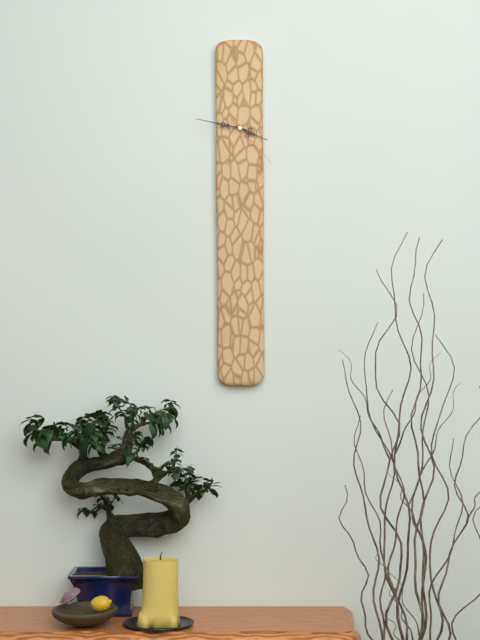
3:47:23
